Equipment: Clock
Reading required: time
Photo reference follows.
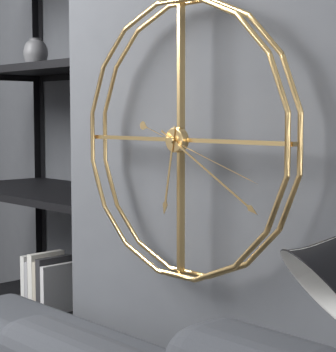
6:20:18
